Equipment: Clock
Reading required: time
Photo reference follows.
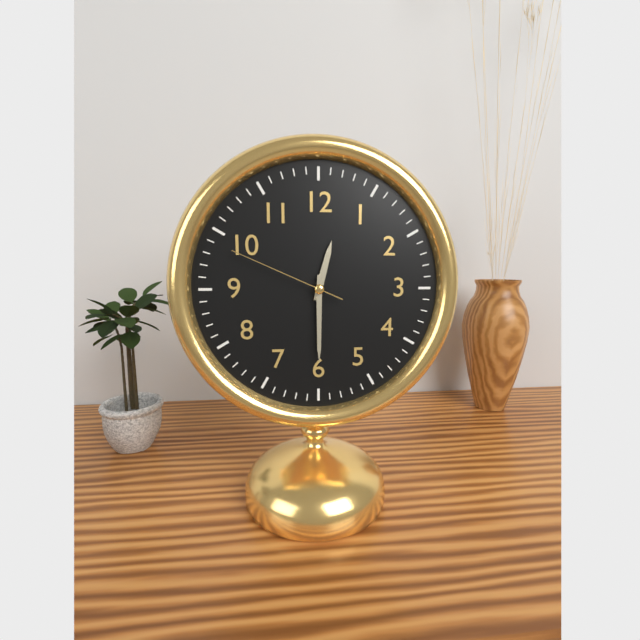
12:30:49
